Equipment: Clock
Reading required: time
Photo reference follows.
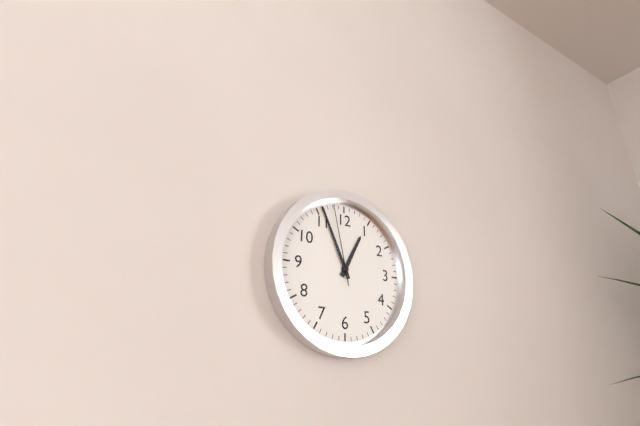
12:56:58
